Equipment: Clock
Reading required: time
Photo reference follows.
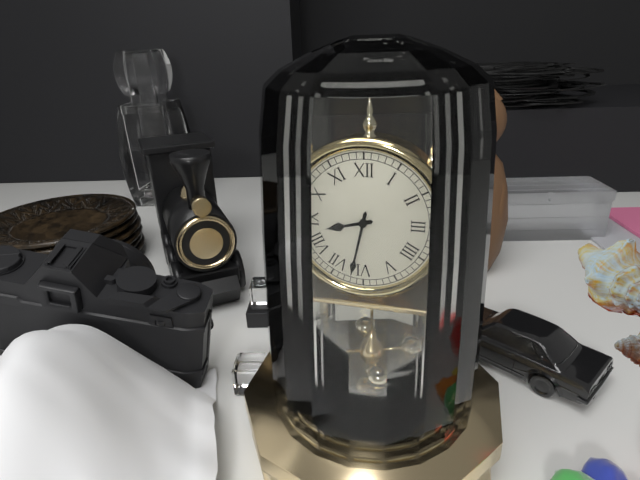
8:32
